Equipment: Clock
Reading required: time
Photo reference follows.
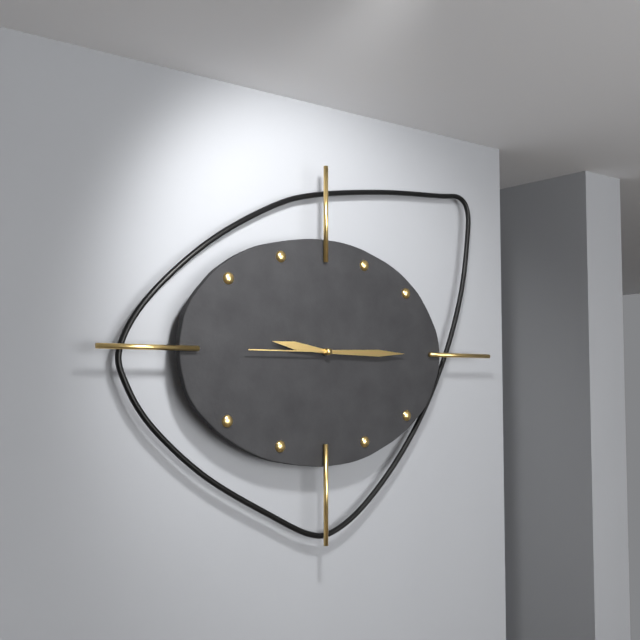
9:15:45
